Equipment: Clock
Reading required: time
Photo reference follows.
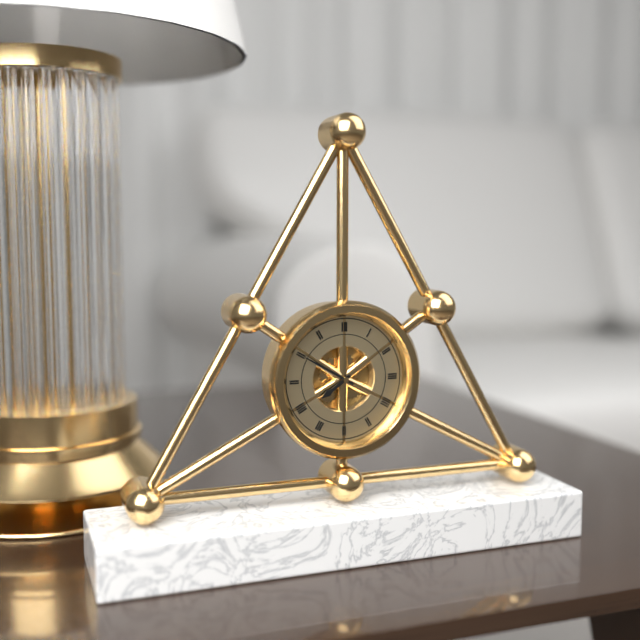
7:50
